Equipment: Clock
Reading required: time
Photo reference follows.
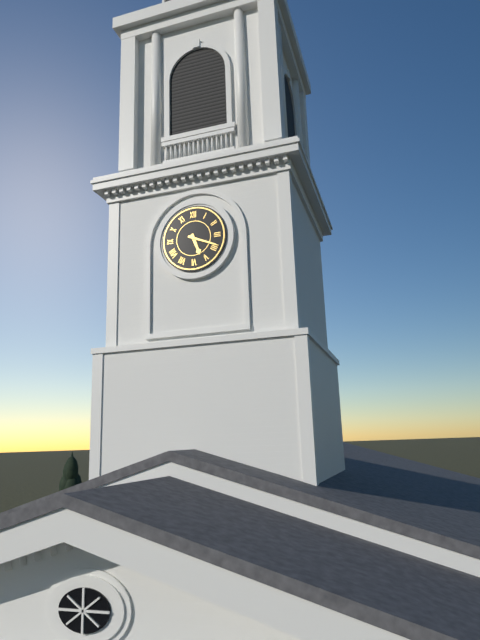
5:19
